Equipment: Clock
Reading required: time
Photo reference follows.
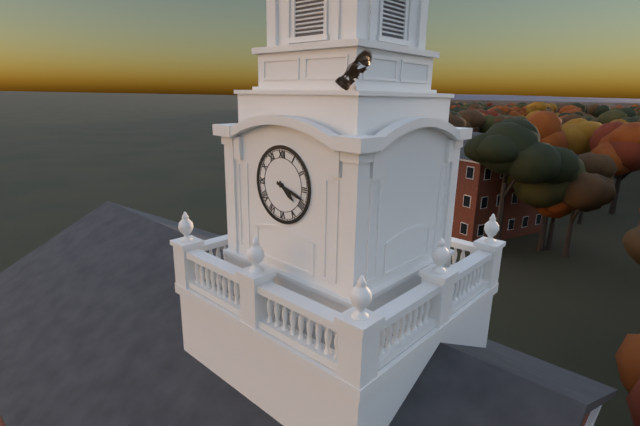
4:18
